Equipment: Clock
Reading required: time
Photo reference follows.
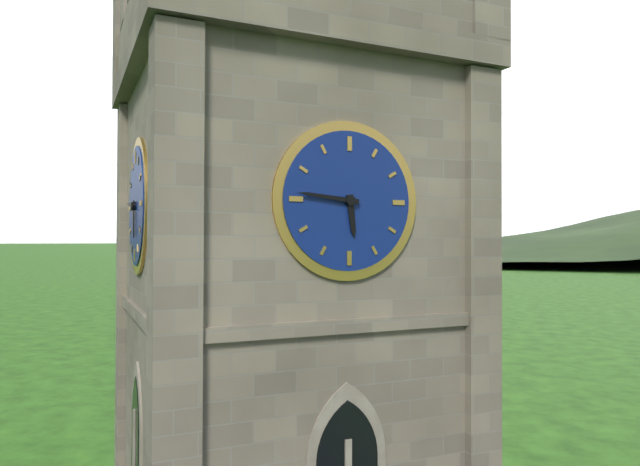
5:46
